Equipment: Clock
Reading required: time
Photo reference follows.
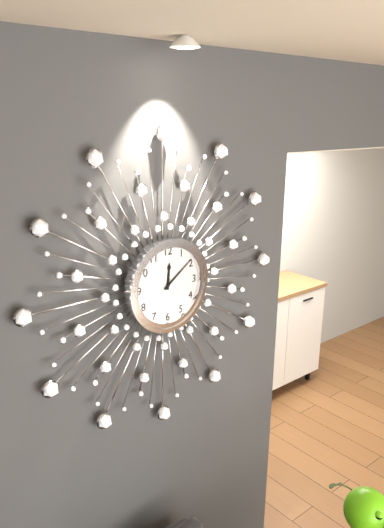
12:09
